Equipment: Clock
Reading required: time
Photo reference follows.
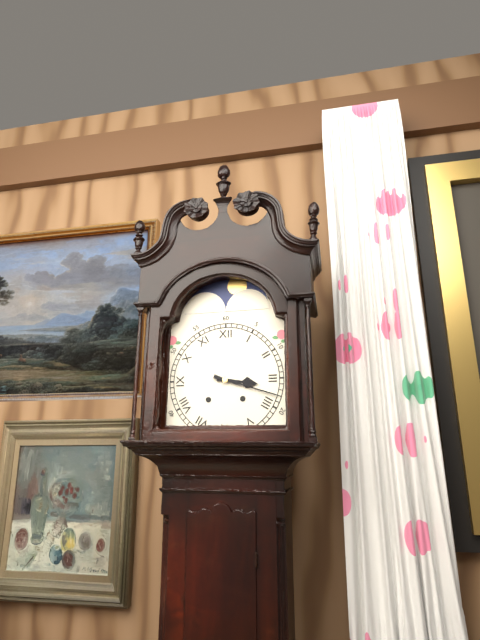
3:18
